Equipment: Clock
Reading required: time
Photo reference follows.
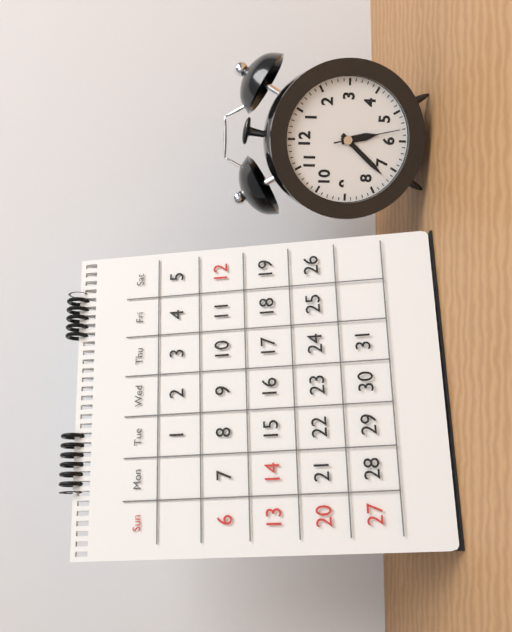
5:37:28
